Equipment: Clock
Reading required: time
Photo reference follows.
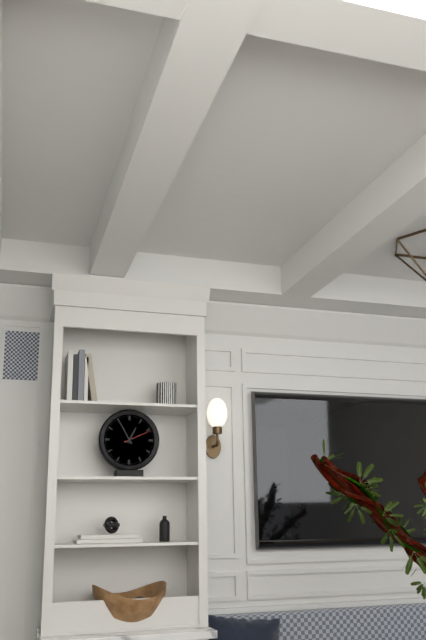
12:55
